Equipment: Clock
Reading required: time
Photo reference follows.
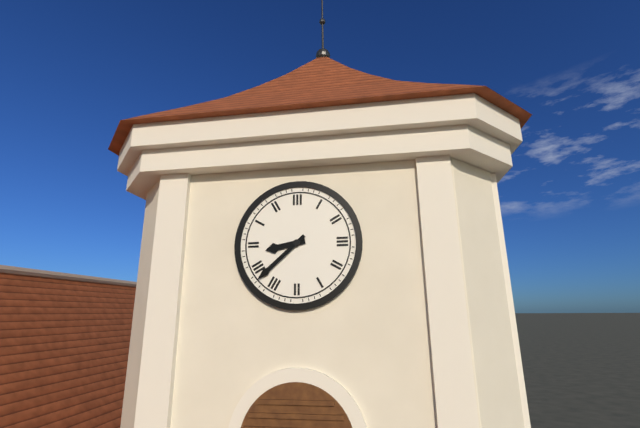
8:38
